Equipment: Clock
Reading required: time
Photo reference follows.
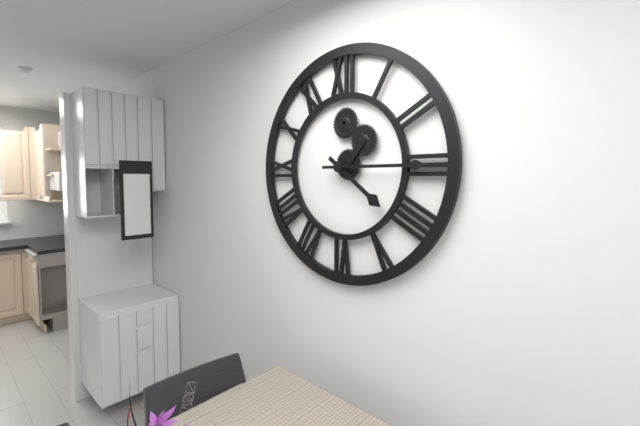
4:15
